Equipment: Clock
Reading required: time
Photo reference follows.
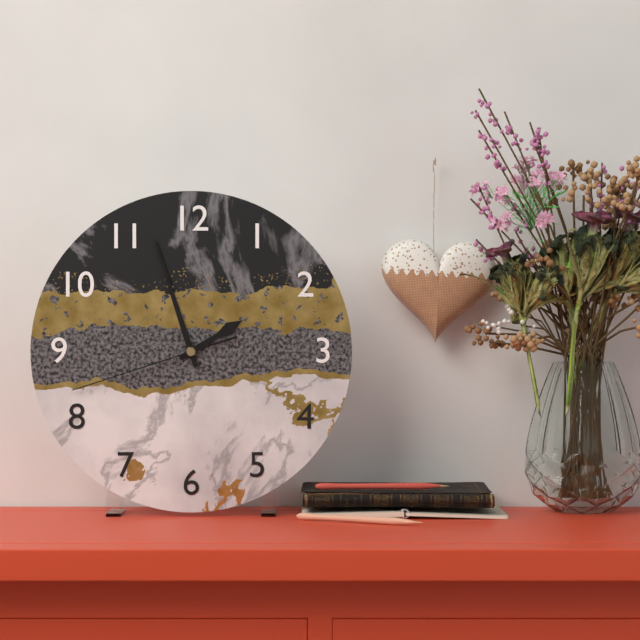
1:57:42
